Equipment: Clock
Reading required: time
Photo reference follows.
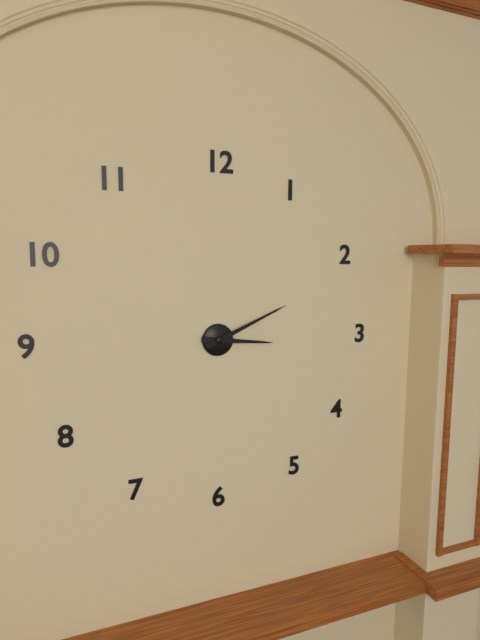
3:11
